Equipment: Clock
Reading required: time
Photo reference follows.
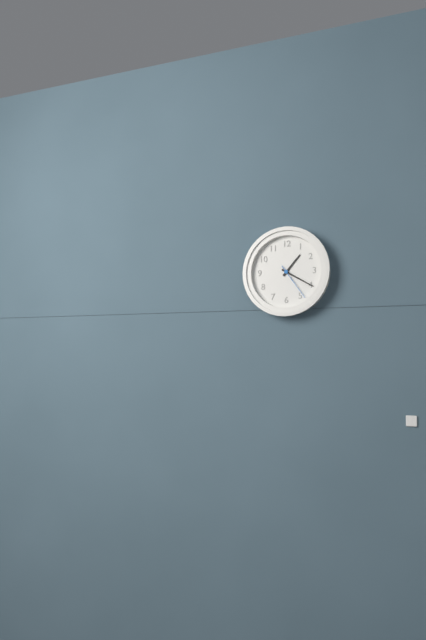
1:20
